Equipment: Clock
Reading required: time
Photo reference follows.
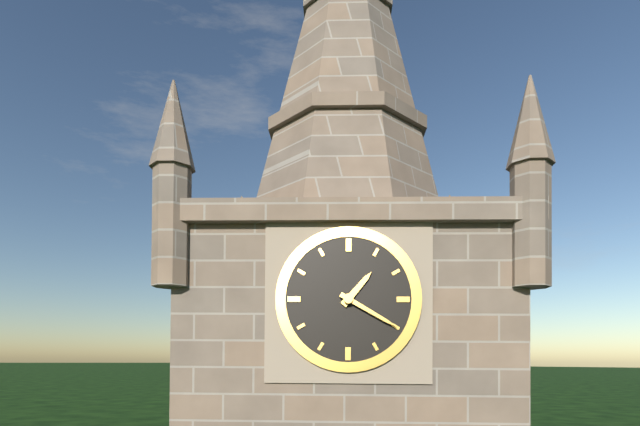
1:20
